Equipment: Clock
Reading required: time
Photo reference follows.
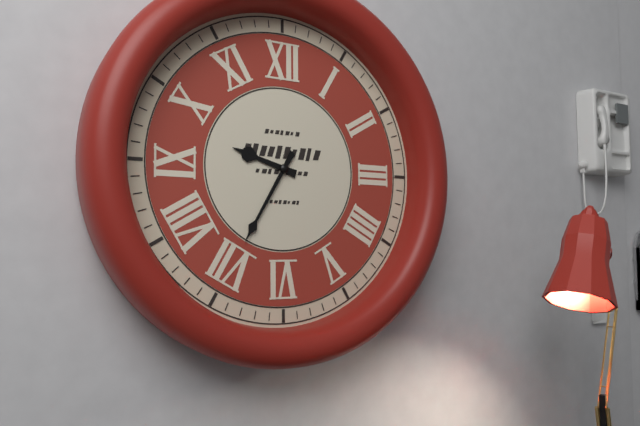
9:35
